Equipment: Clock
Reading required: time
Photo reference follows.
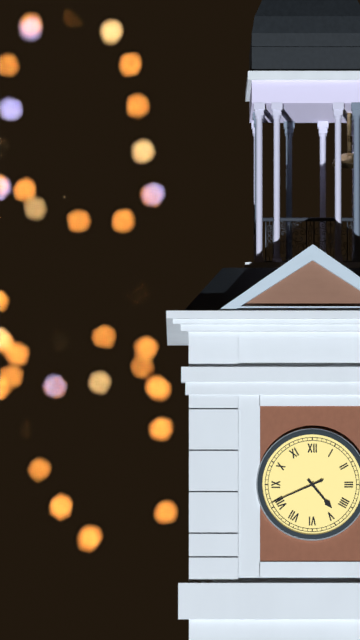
4:41
